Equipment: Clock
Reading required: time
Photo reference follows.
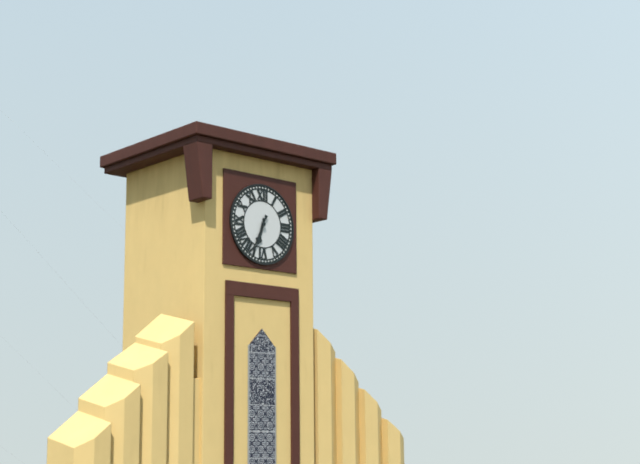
6:34
